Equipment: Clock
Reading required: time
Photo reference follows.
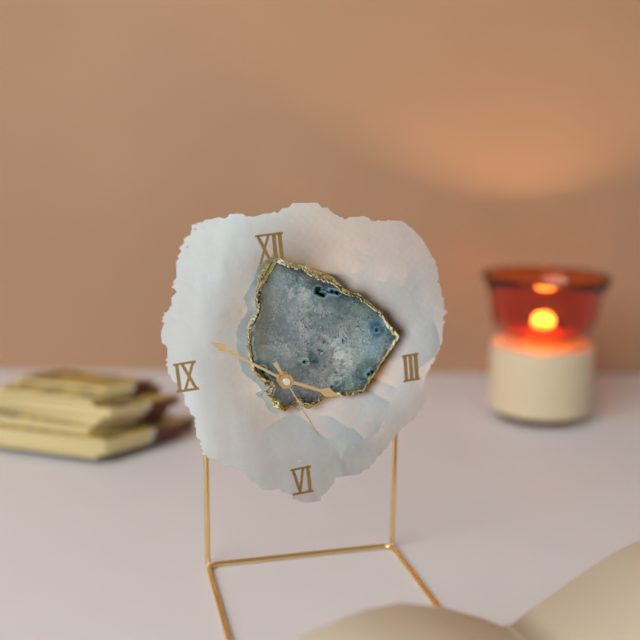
3:51:26
